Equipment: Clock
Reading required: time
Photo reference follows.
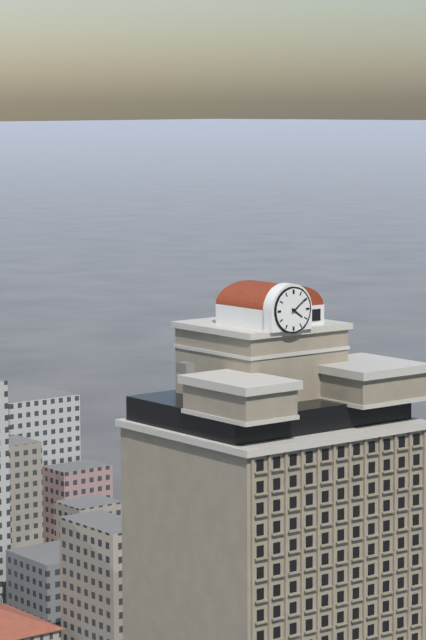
4:09
